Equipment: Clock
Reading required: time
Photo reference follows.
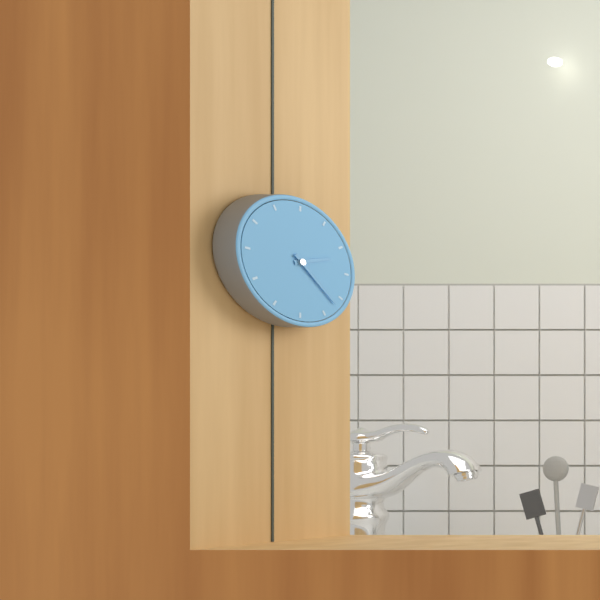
2:22
